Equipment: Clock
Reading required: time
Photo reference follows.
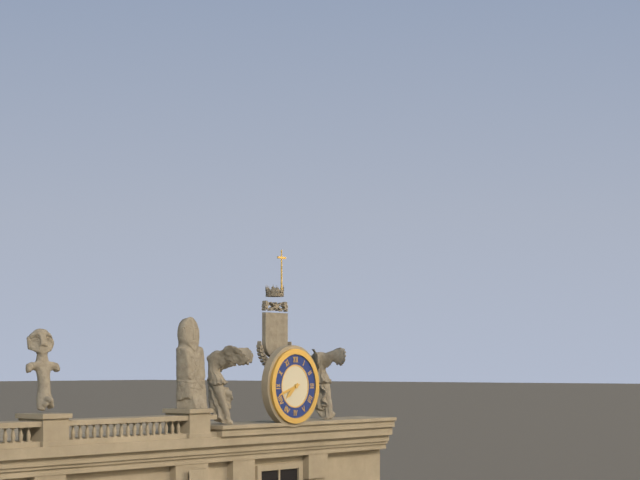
7:42
